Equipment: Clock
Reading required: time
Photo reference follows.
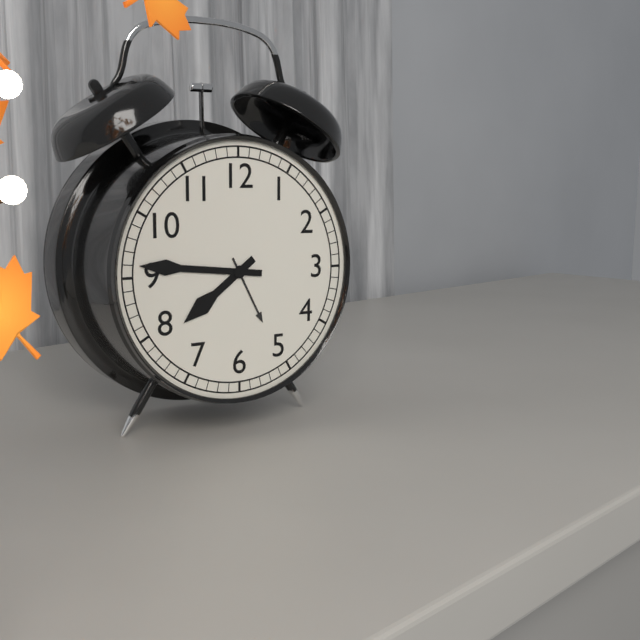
7:46
